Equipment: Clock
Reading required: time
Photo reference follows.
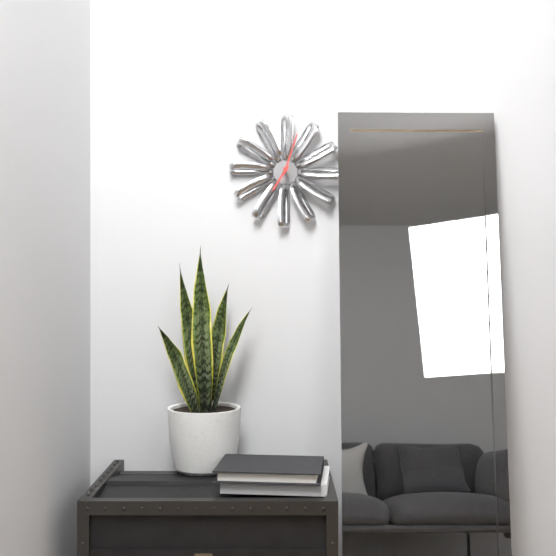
7:03
